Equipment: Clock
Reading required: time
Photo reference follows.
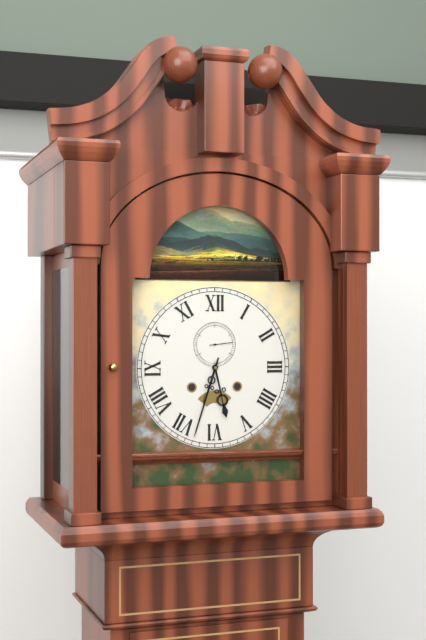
5:33
